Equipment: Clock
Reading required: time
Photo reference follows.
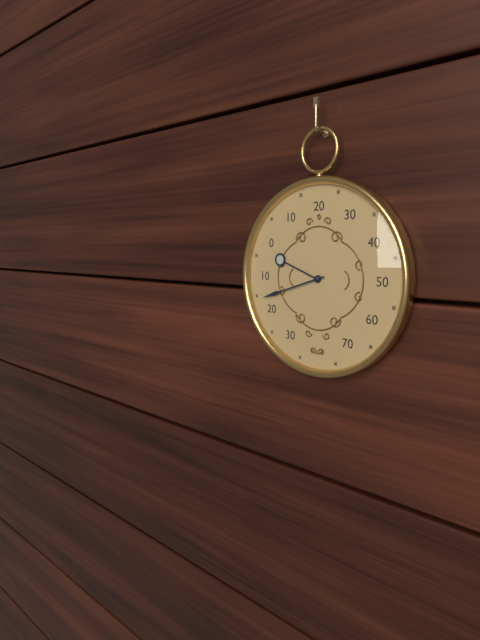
9:42
